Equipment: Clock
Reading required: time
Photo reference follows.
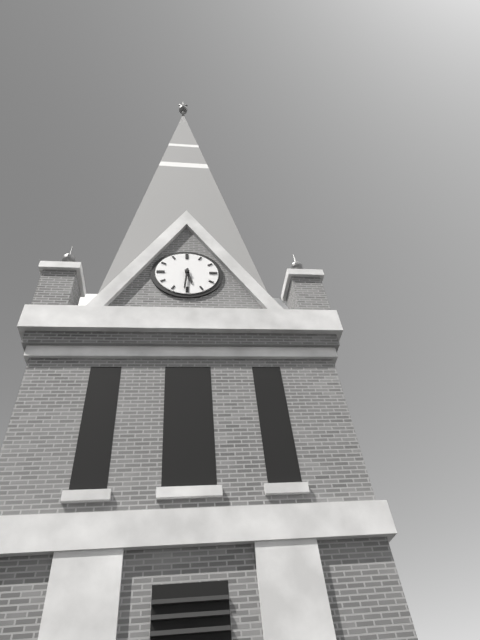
5:31
